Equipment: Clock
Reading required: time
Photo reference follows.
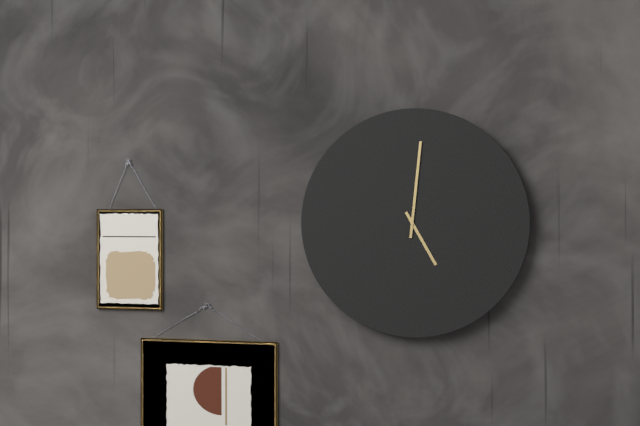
5:01
